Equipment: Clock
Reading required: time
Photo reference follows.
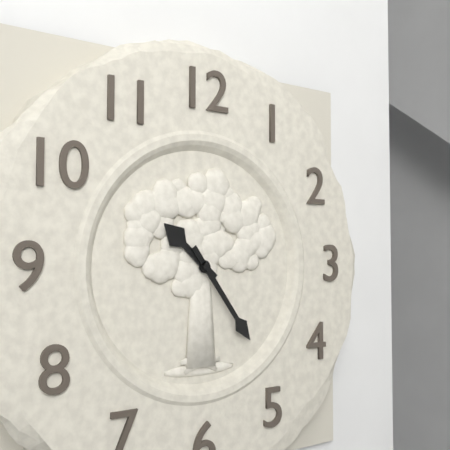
10:24
